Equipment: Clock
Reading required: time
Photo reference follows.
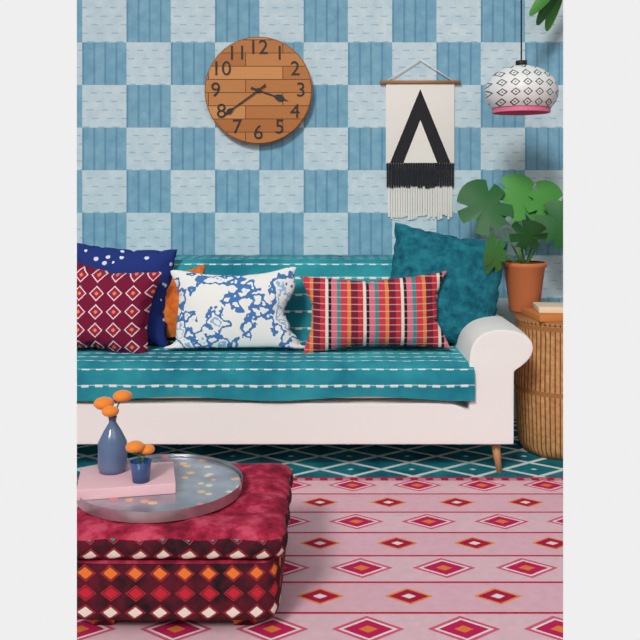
3:39
